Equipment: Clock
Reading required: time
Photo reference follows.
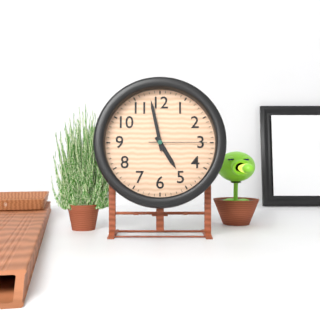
4:58:15
